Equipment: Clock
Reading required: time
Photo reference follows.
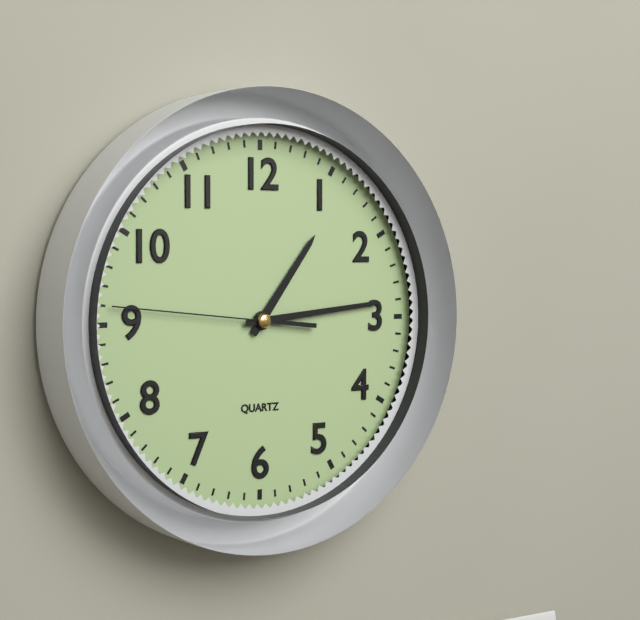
1:14:46
